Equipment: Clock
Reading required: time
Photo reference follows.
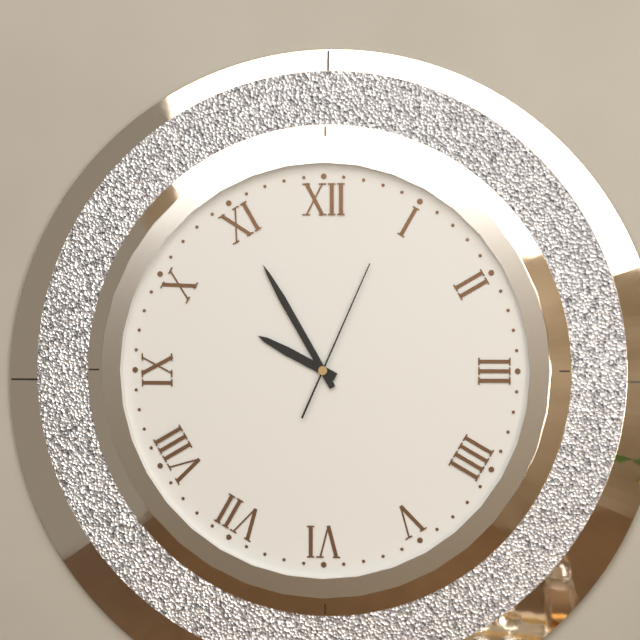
9:55:04
